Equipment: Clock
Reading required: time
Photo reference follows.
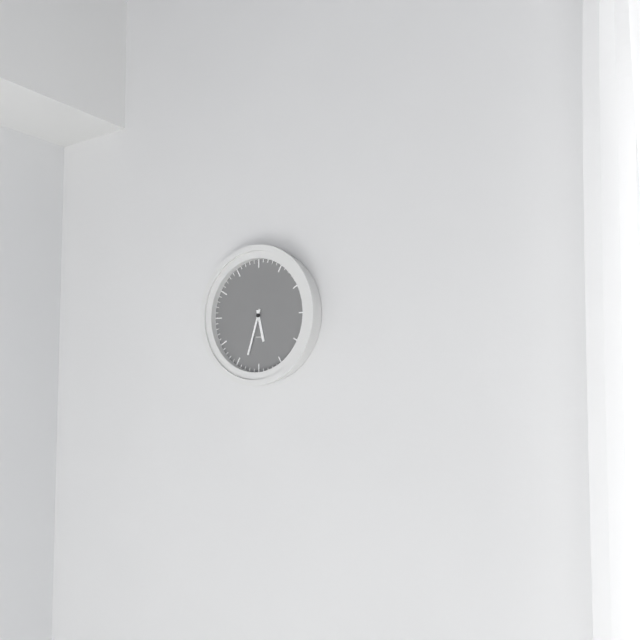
5:33
